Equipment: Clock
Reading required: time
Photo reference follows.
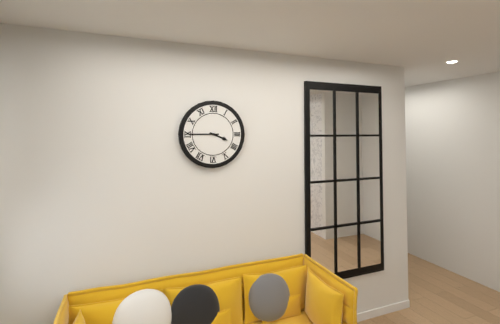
3:45
